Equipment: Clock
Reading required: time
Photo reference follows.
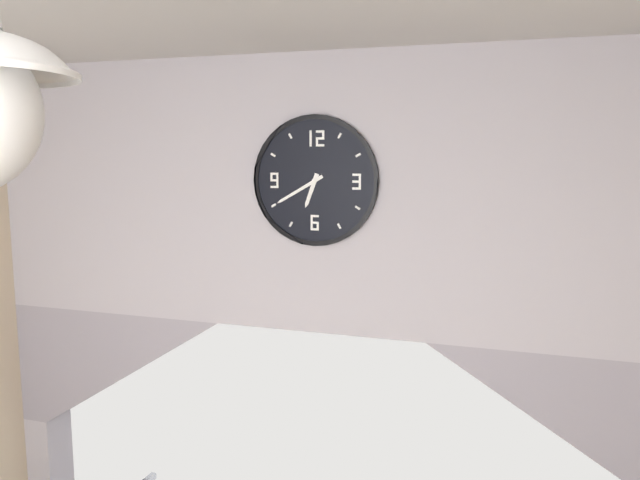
6:40
